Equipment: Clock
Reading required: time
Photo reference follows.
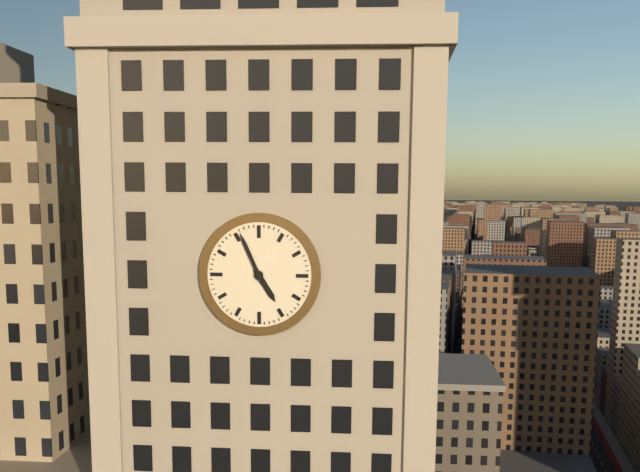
4:56
